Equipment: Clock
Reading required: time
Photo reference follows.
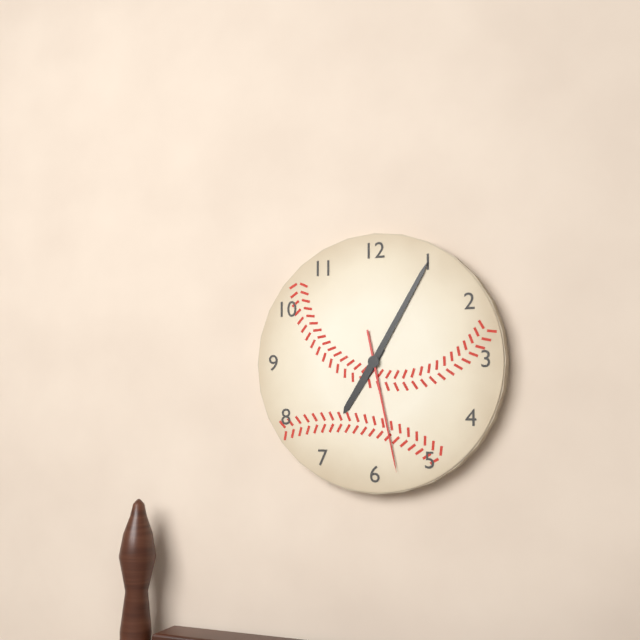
7:05:28
